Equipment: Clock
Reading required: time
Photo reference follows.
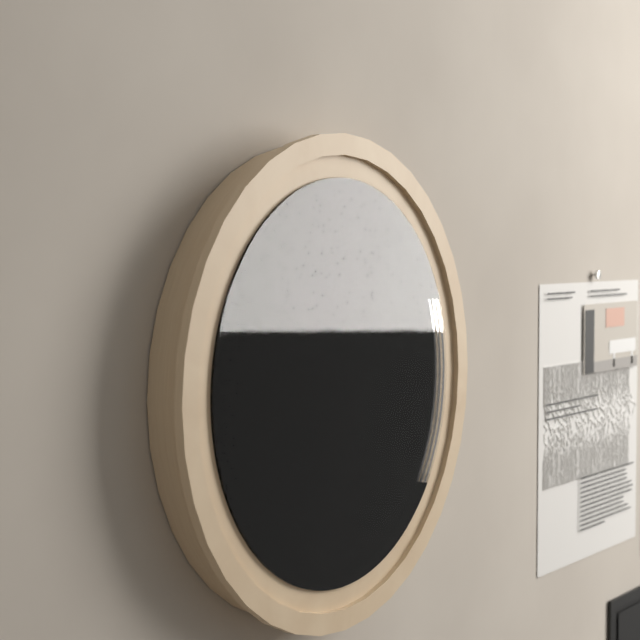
1:45
